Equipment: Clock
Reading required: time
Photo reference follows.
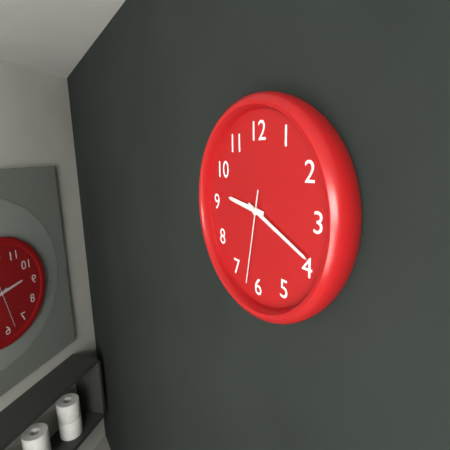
9:19:32
